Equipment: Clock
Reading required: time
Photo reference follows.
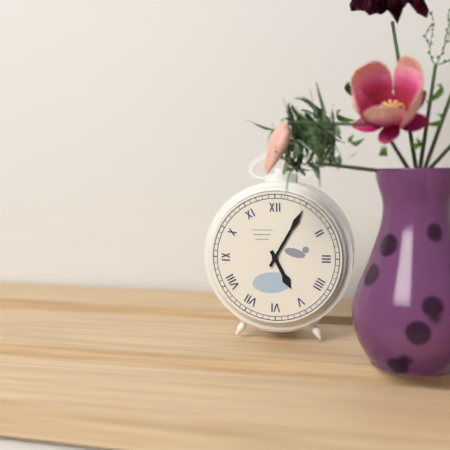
5:05
